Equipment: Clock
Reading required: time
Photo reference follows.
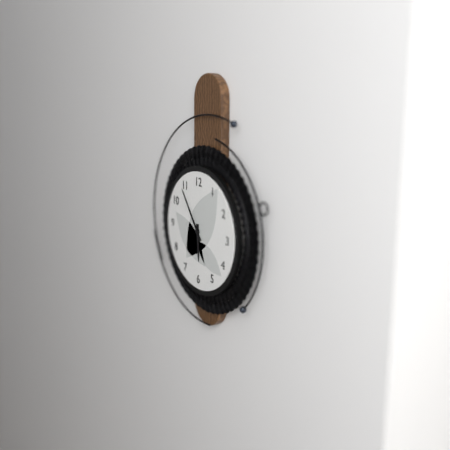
5:54
